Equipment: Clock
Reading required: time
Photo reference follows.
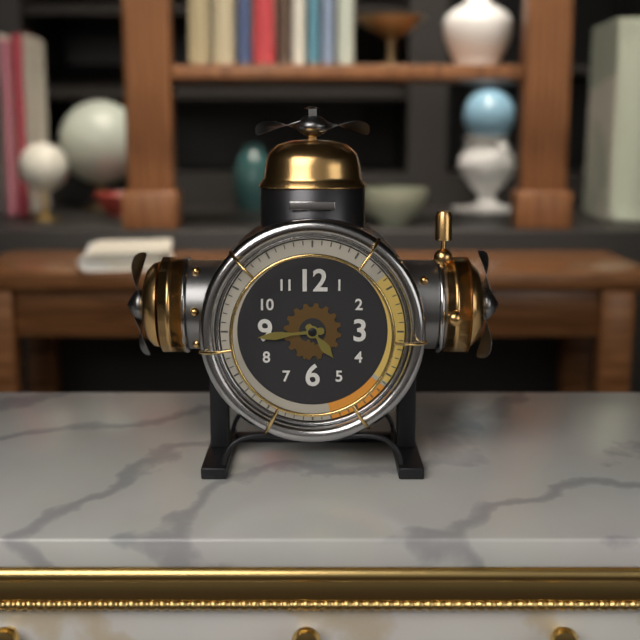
4:44
